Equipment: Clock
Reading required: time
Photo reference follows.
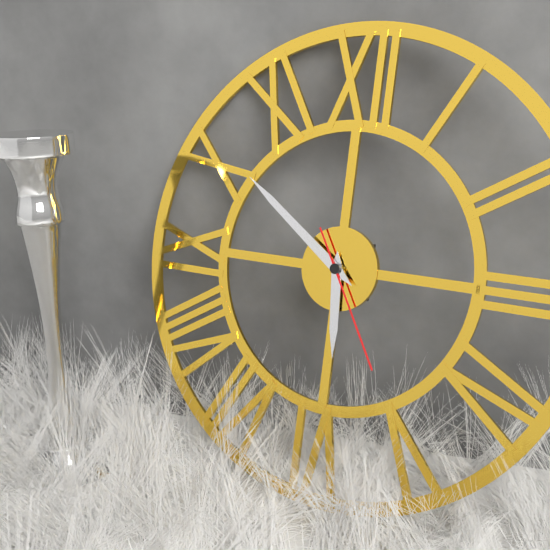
5:51:25
